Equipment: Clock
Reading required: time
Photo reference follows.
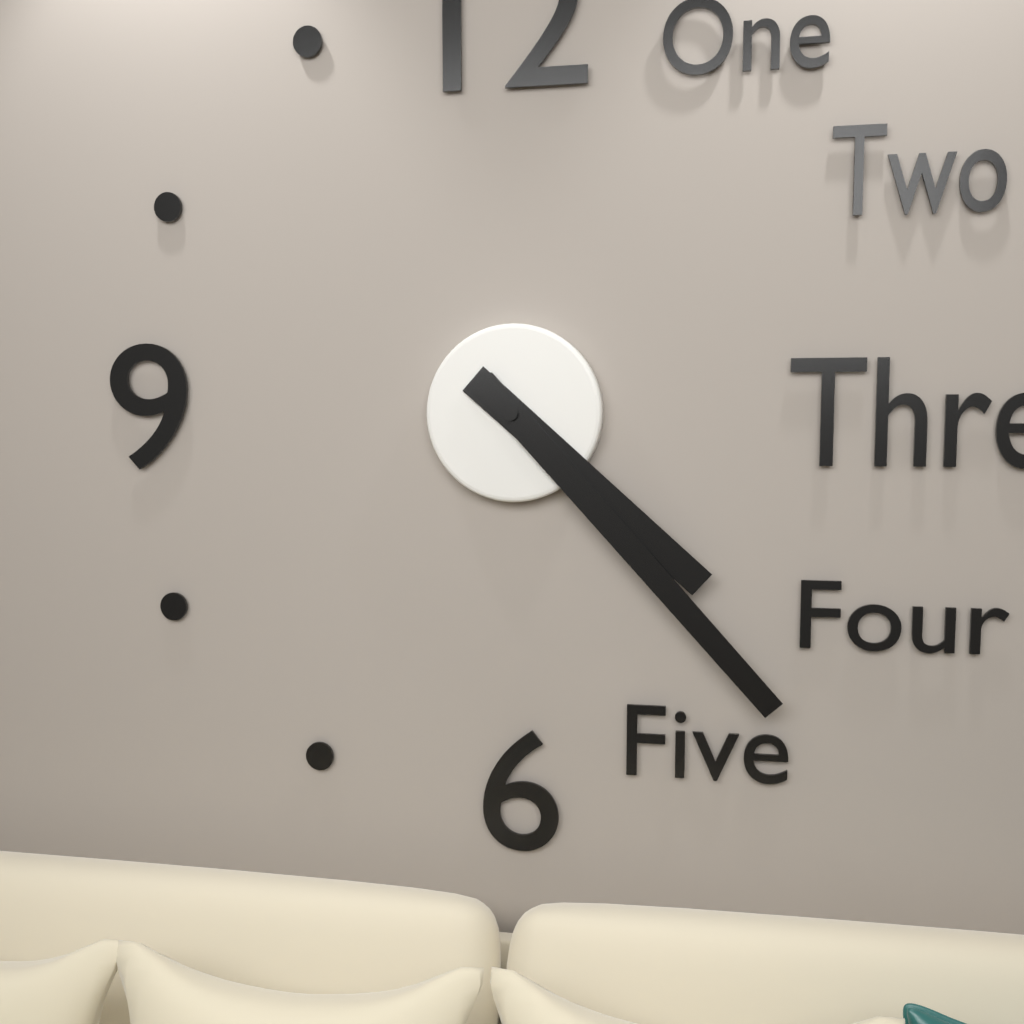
4:23
